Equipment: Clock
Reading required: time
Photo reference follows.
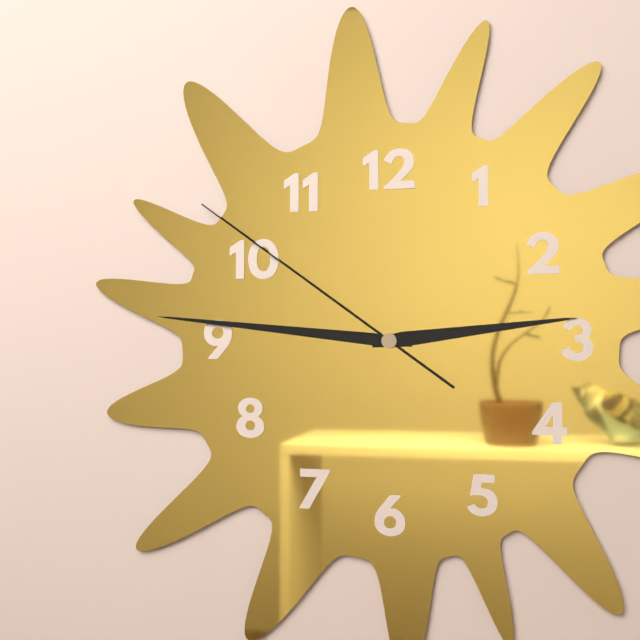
2:46:51
